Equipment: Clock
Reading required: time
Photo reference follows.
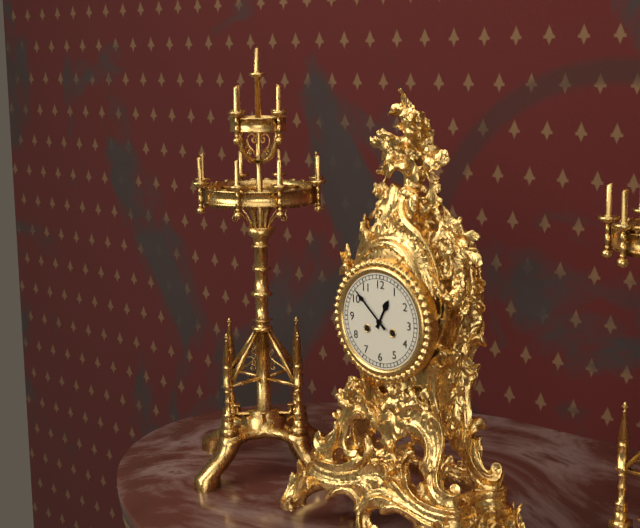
12:52
